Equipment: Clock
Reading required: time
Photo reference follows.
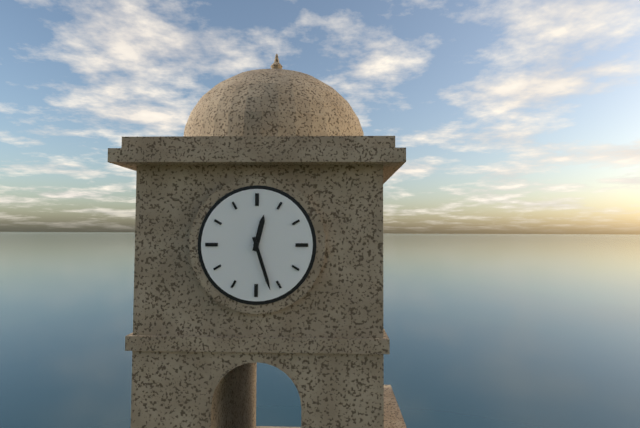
12:27
